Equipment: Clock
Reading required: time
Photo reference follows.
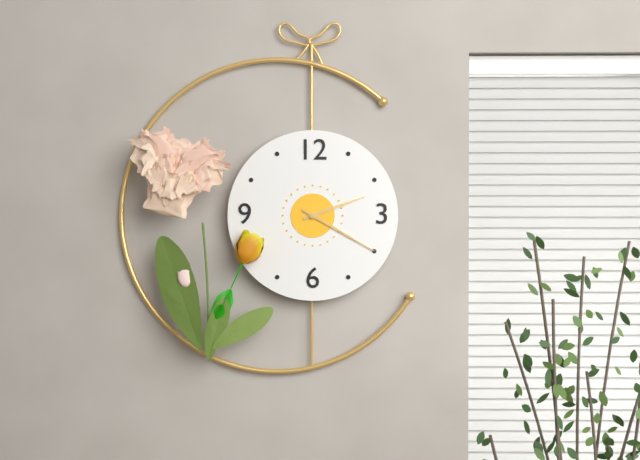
2:20
